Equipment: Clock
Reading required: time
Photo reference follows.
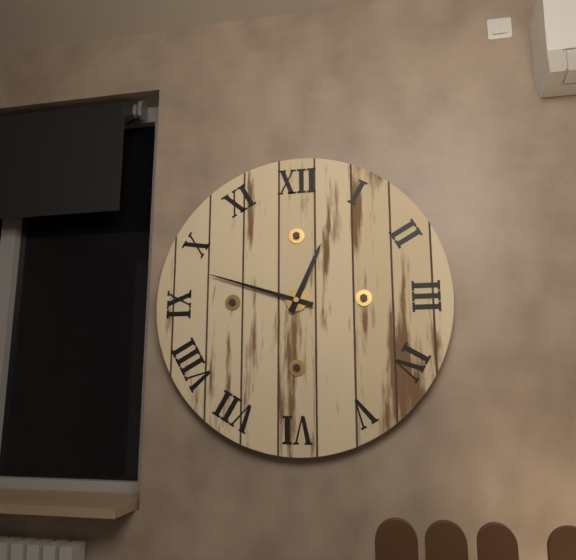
12:48
